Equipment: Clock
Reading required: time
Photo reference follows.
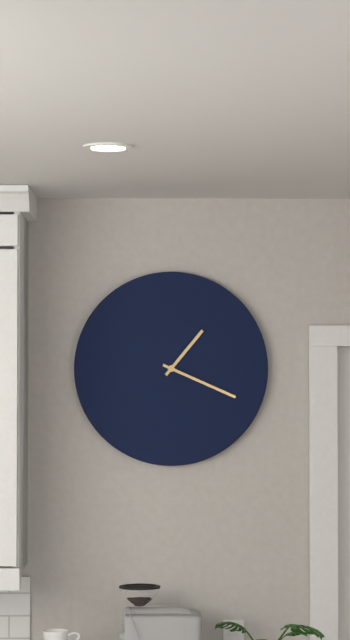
1:19
